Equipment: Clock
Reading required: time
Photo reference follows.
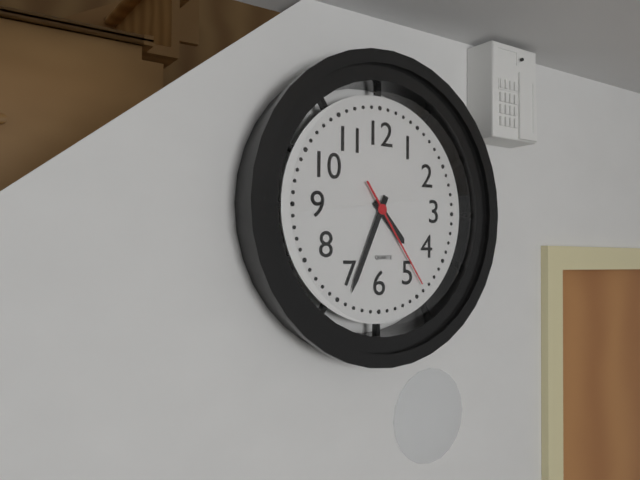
4:34:24
